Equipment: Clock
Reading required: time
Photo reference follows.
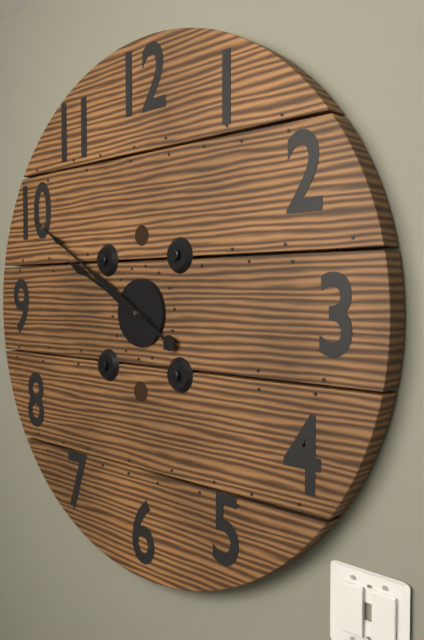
9:50
